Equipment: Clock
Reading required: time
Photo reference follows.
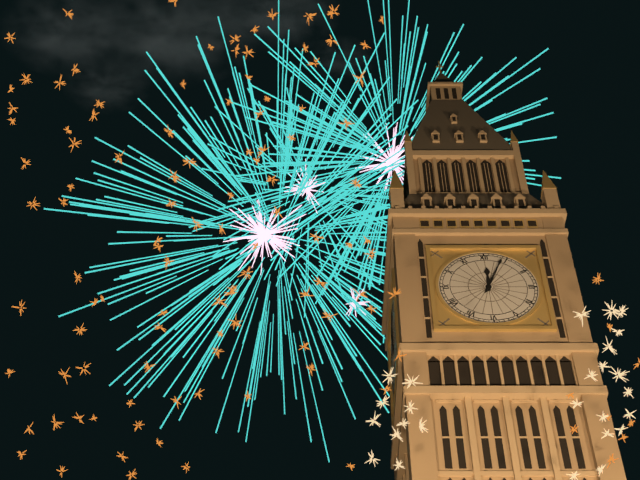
12:04
